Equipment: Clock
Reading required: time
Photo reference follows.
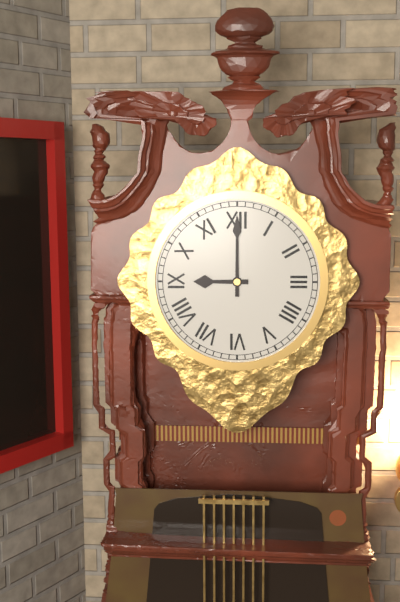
9:00
